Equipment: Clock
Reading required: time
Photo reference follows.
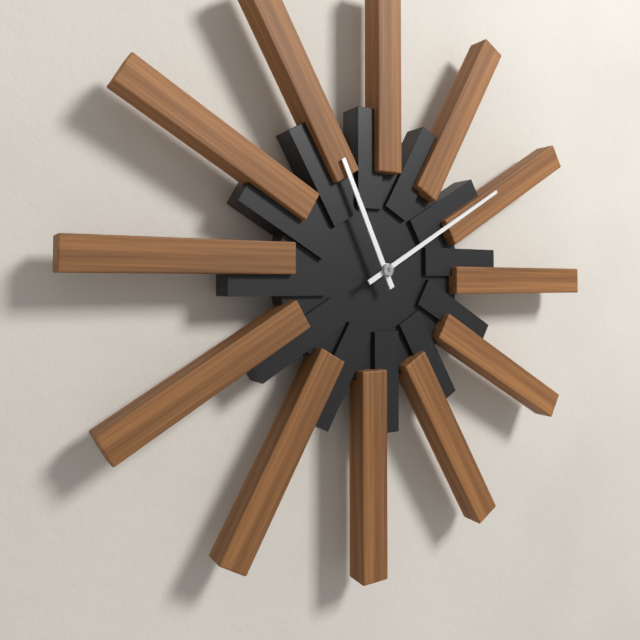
11:10
